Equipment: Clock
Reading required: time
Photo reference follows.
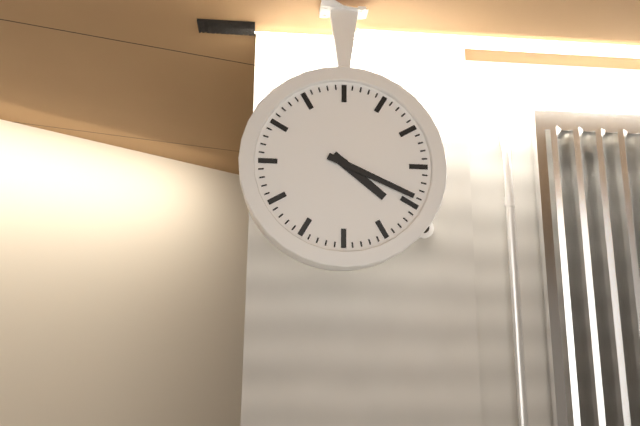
4:19
